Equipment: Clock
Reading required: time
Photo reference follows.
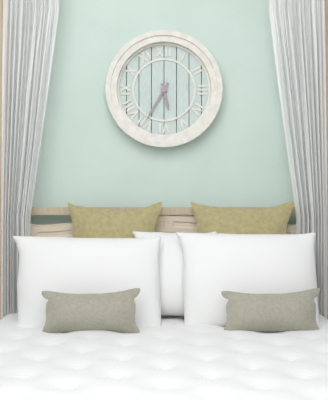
5:35
